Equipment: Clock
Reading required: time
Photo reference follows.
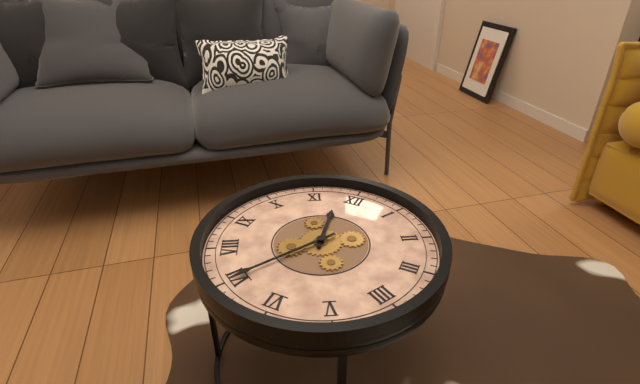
11:35
